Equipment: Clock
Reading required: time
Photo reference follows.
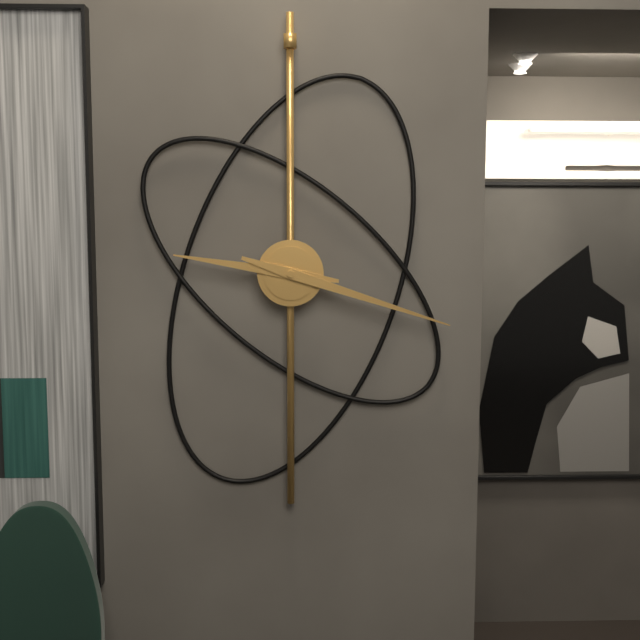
9:18
